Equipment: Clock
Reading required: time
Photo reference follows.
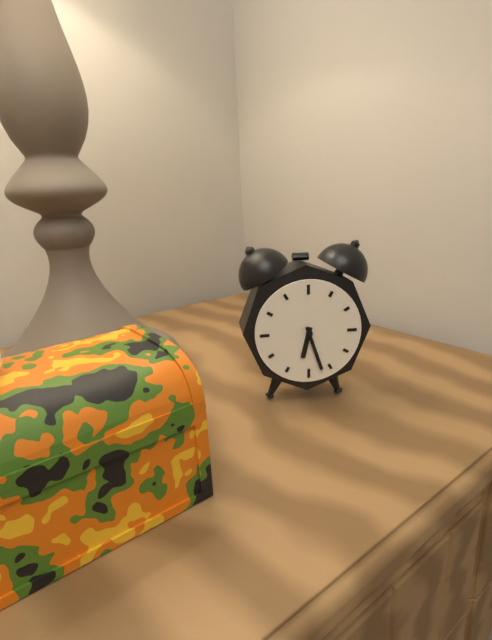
6:27
